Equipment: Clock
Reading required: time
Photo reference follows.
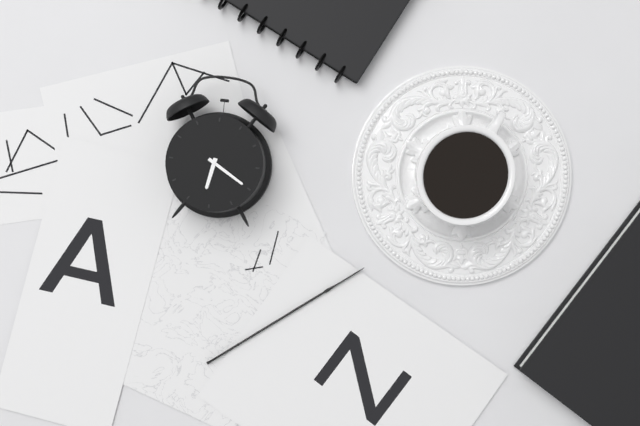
6:20
